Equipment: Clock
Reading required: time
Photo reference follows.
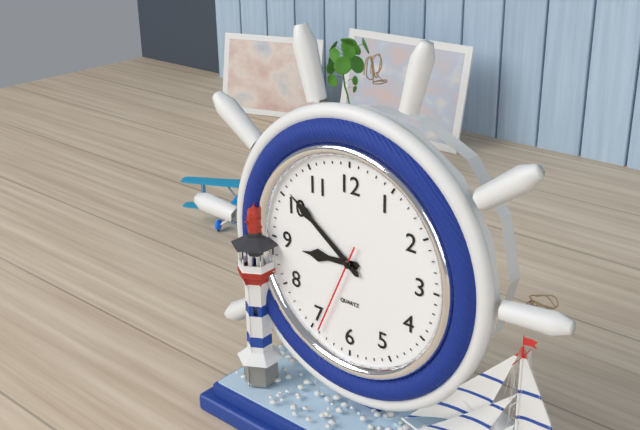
8:51:34
